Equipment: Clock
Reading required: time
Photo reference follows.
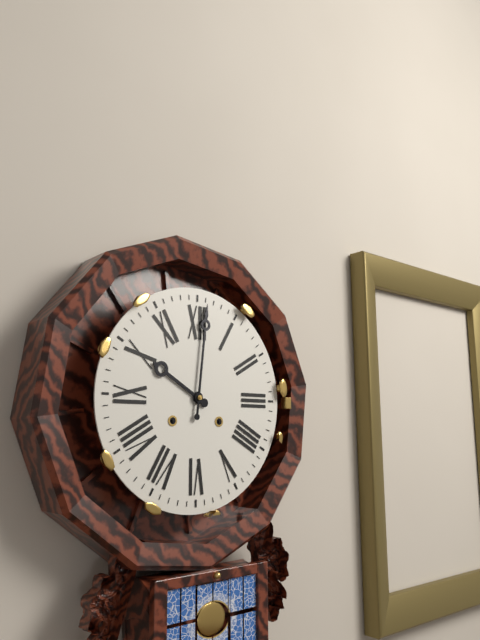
10:01
